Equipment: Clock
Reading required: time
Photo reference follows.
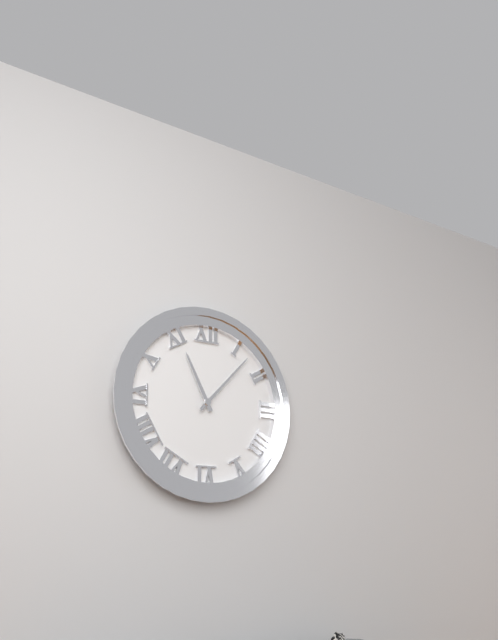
11:07
